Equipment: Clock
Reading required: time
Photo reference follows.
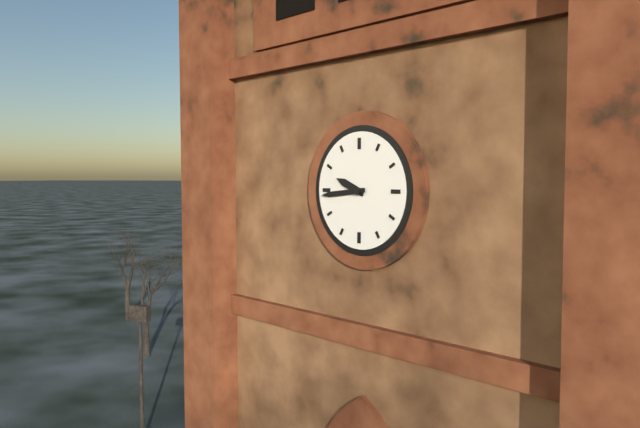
9:44
